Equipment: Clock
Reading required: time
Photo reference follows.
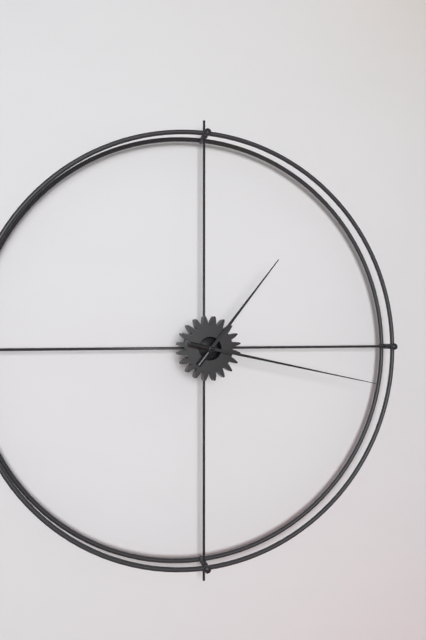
1:17
